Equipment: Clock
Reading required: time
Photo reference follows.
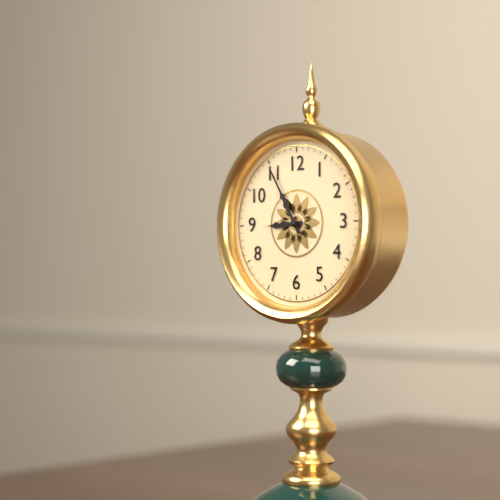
8:55
